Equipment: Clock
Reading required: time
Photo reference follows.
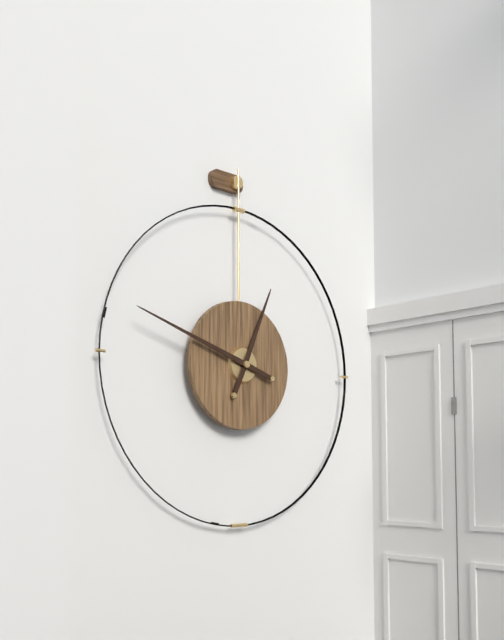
12:48
